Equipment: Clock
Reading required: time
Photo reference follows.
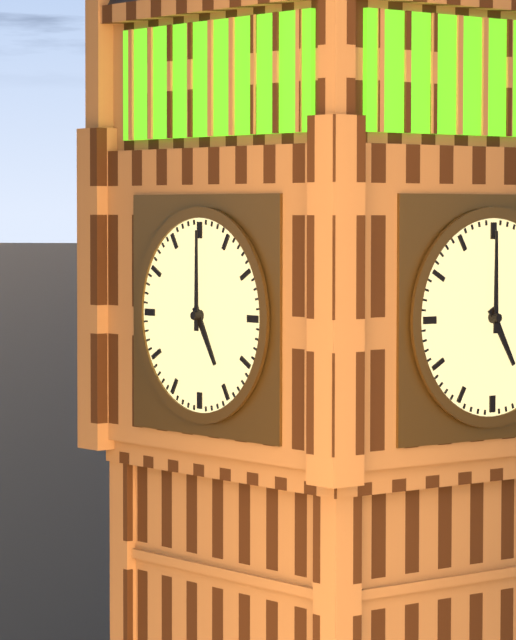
5:00
